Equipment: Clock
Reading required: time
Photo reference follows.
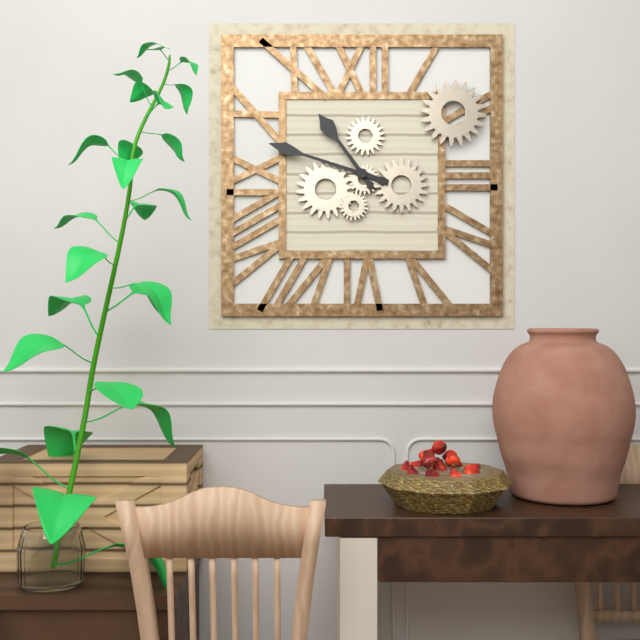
10:48
